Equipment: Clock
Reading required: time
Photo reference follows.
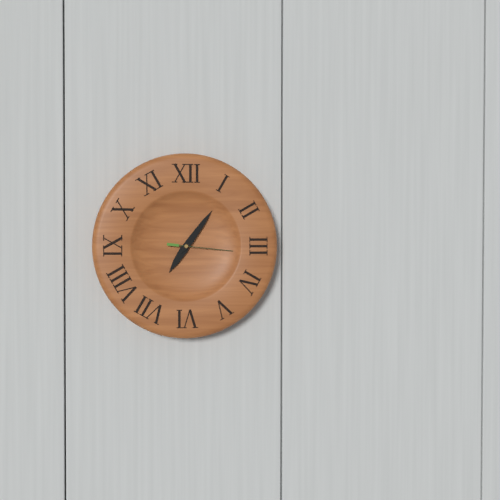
7:06:16
